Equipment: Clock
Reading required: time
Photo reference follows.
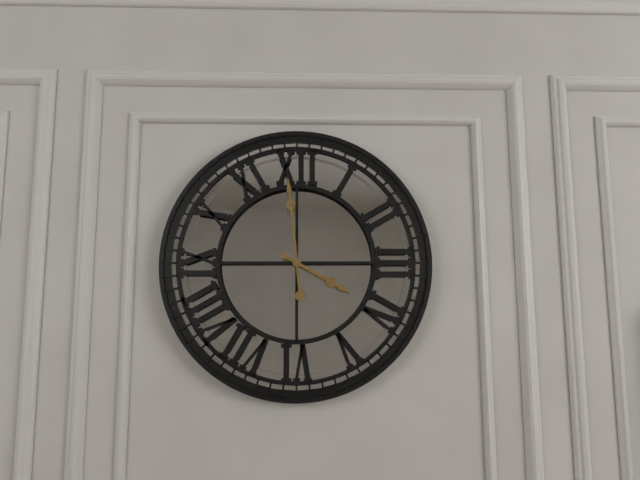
3:59
